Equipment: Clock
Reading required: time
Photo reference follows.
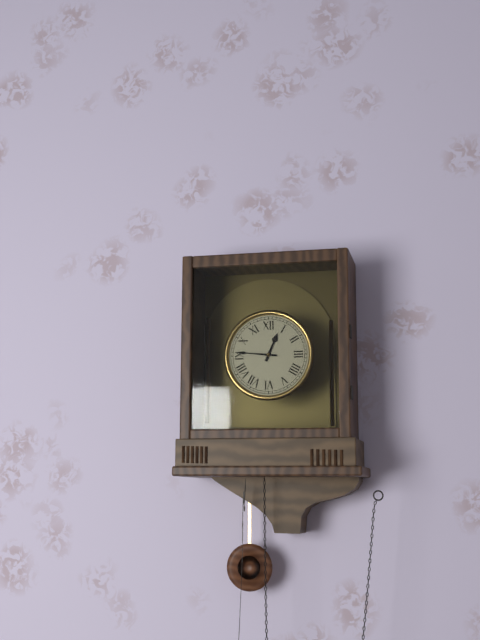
12:46
